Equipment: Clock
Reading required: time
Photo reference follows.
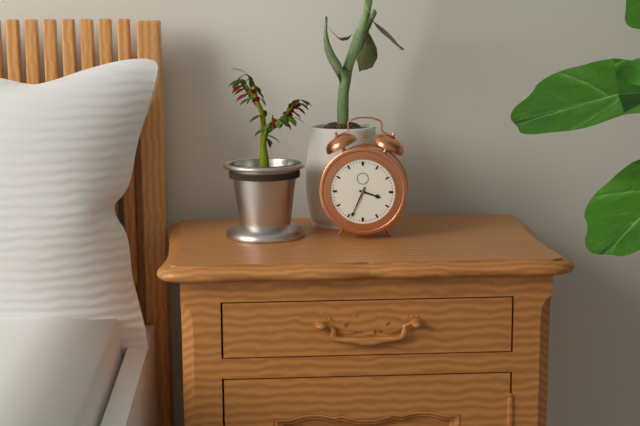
3:34
